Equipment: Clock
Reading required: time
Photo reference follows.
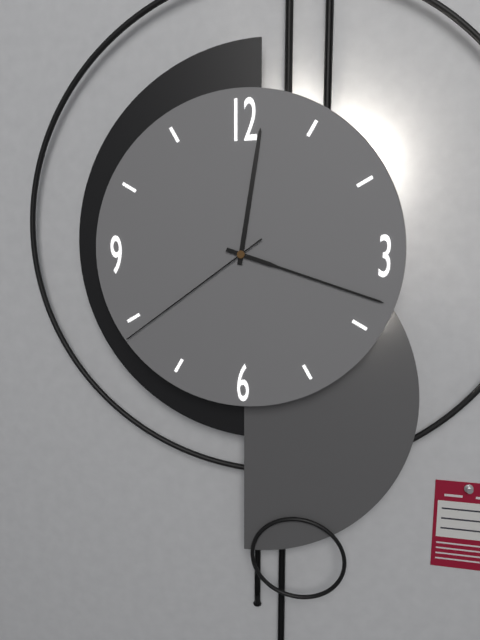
12:18:39
